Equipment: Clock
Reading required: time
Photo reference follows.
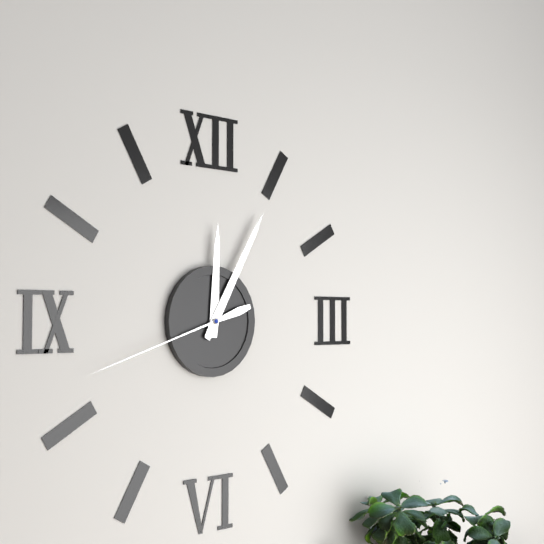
12:05:42
